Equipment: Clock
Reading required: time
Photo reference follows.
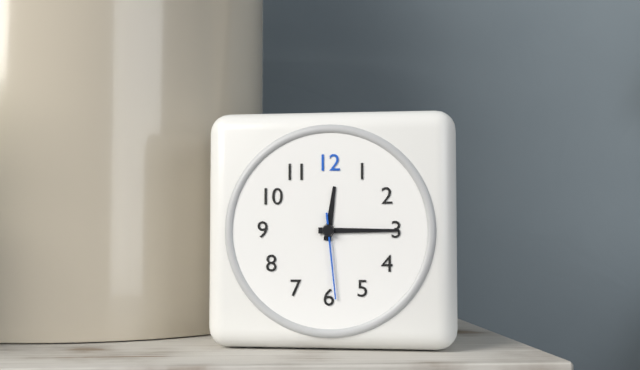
12:15:29
